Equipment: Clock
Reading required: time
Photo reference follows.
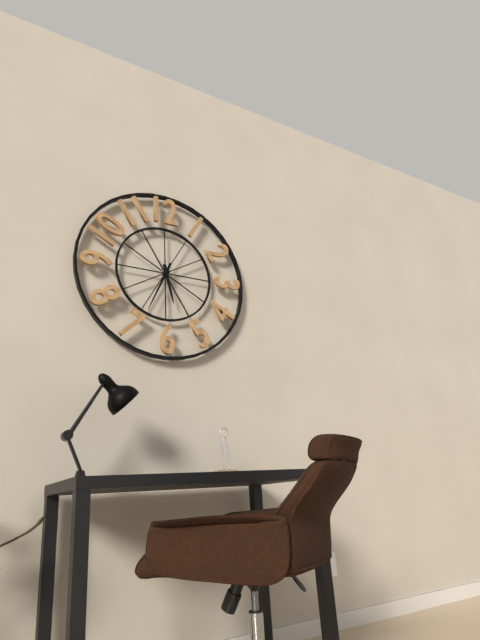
5:34
